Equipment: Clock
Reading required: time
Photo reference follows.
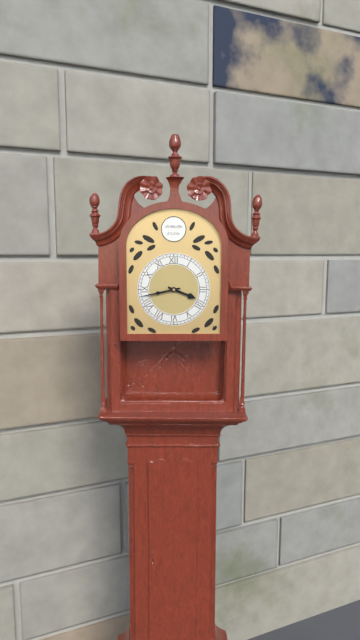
3:43
